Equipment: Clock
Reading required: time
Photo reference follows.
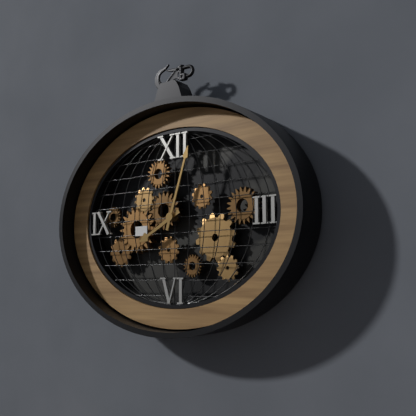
8:03
